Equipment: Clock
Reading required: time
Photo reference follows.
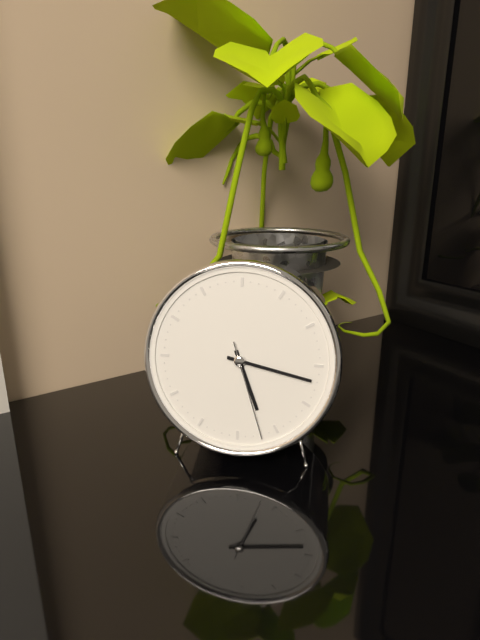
5:17:27
